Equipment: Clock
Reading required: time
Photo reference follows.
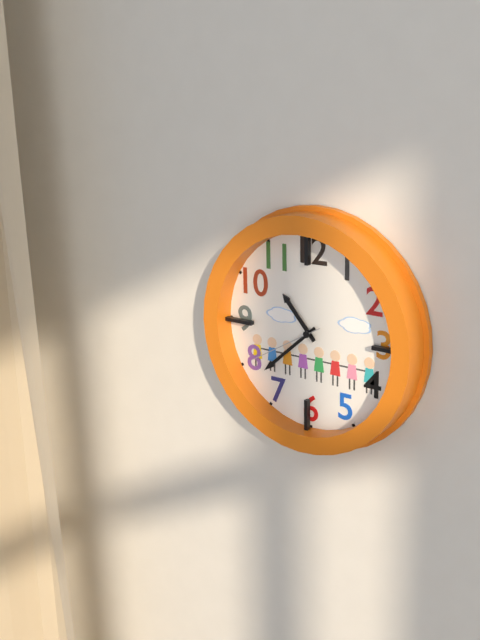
10:38:40
